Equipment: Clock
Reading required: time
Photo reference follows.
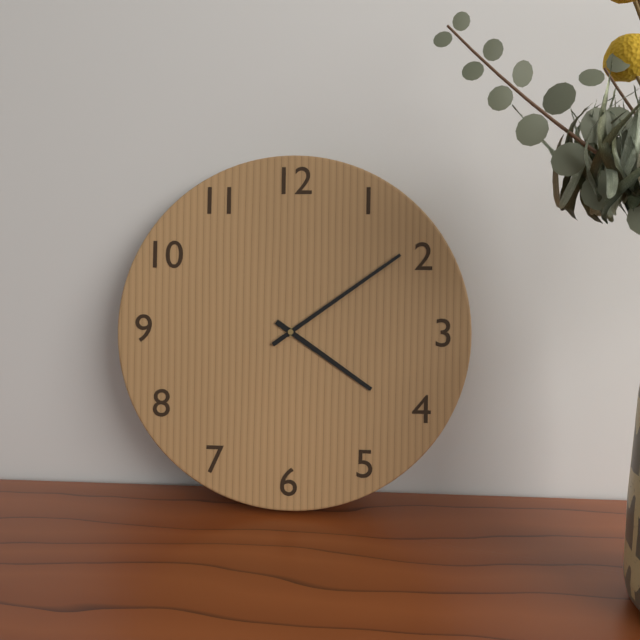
4:09
